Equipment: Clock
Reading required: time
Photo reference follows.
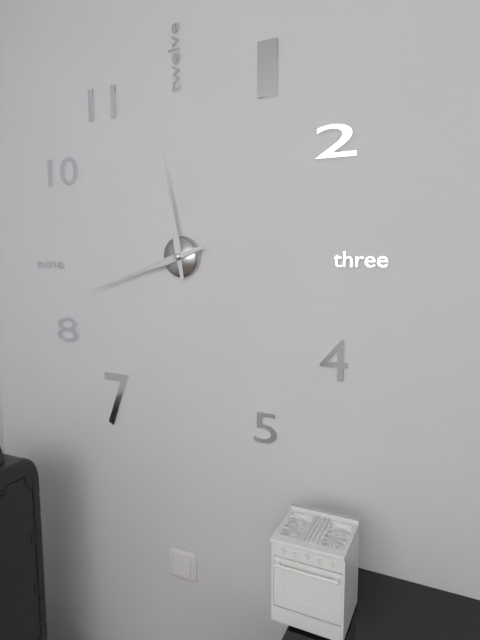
11:42
